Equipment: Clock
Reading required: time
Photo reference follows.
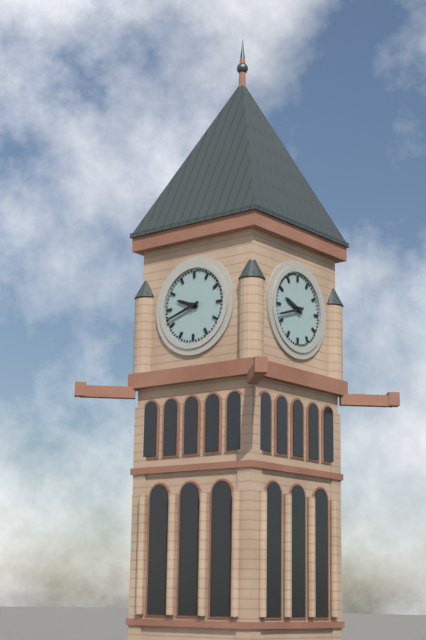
9:42
